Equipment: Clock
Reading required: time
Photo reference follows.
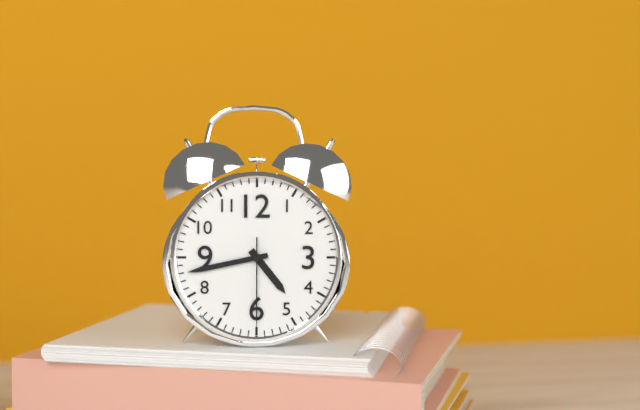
4:43:30
